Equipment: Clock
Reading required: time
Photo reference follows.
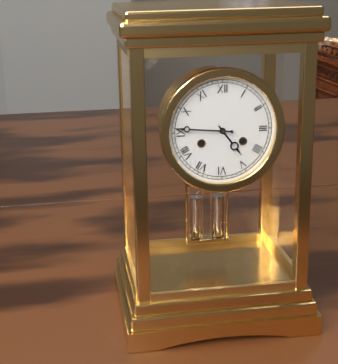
4:46
